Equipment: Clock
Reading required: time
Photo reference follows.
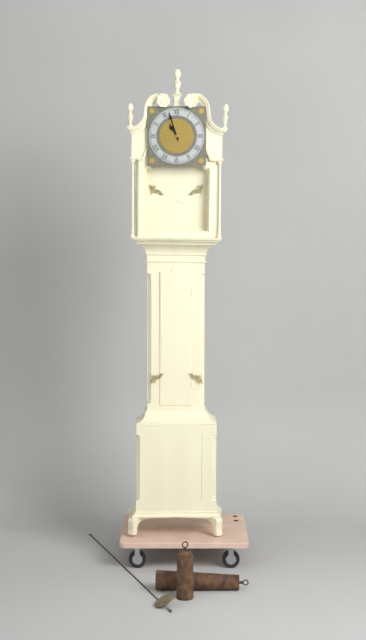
10:57
